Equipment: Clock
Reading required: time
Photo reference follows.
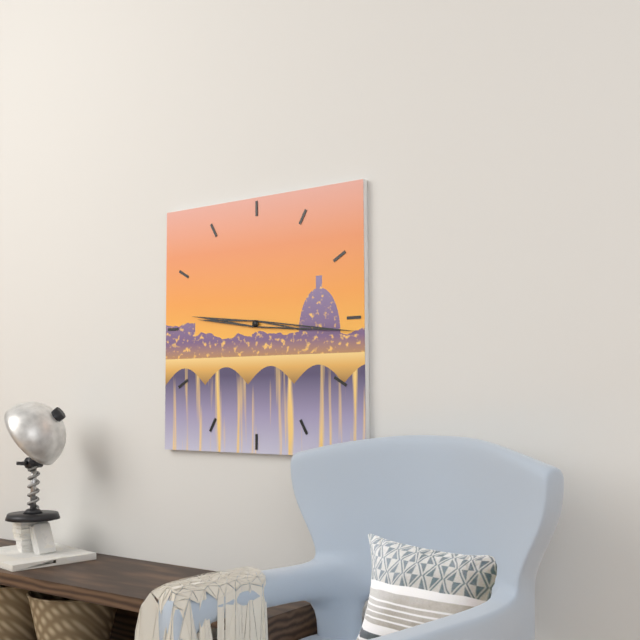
9:16
